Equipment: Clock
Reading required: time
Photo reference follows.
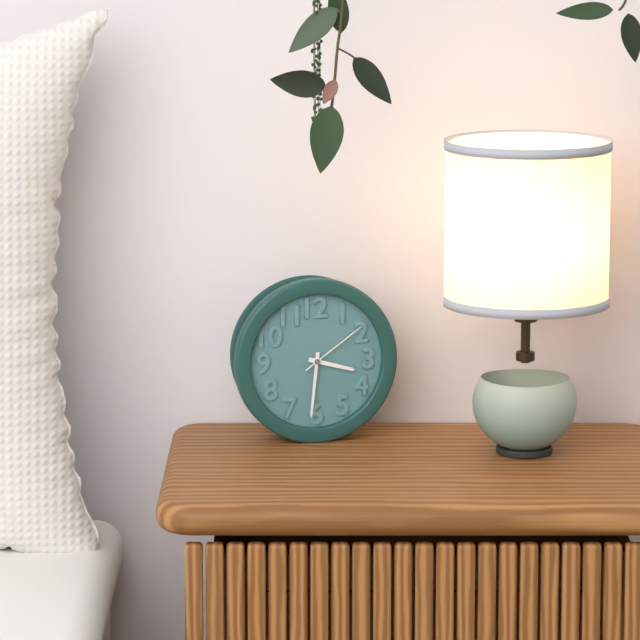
3:31:09
